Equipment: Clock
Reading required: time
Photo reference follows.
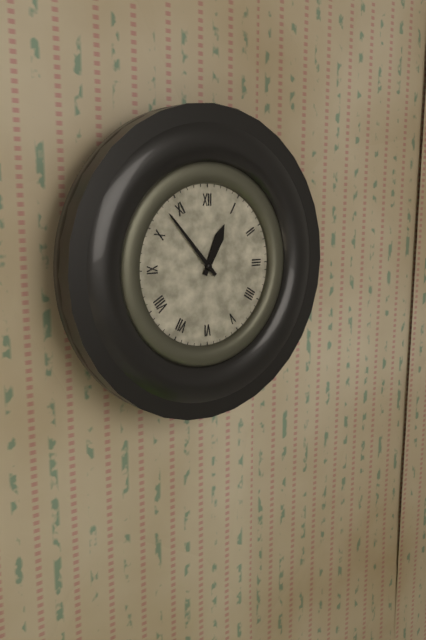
12:53
